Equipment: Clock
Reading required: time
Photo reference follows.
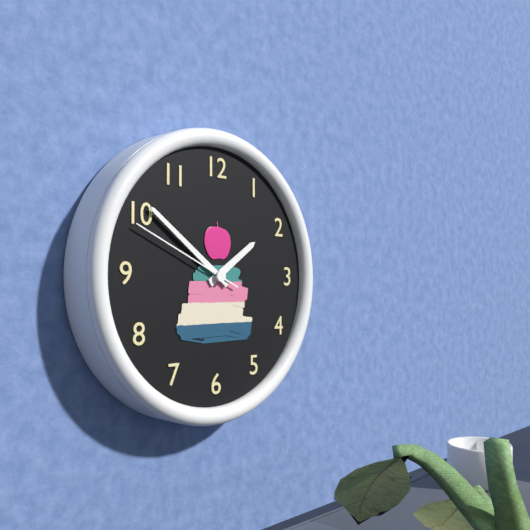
1:51:49
